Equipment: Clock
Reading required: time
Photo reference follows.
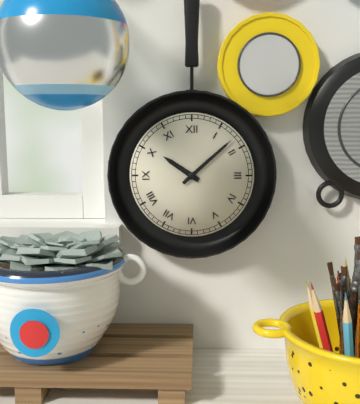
10:08
